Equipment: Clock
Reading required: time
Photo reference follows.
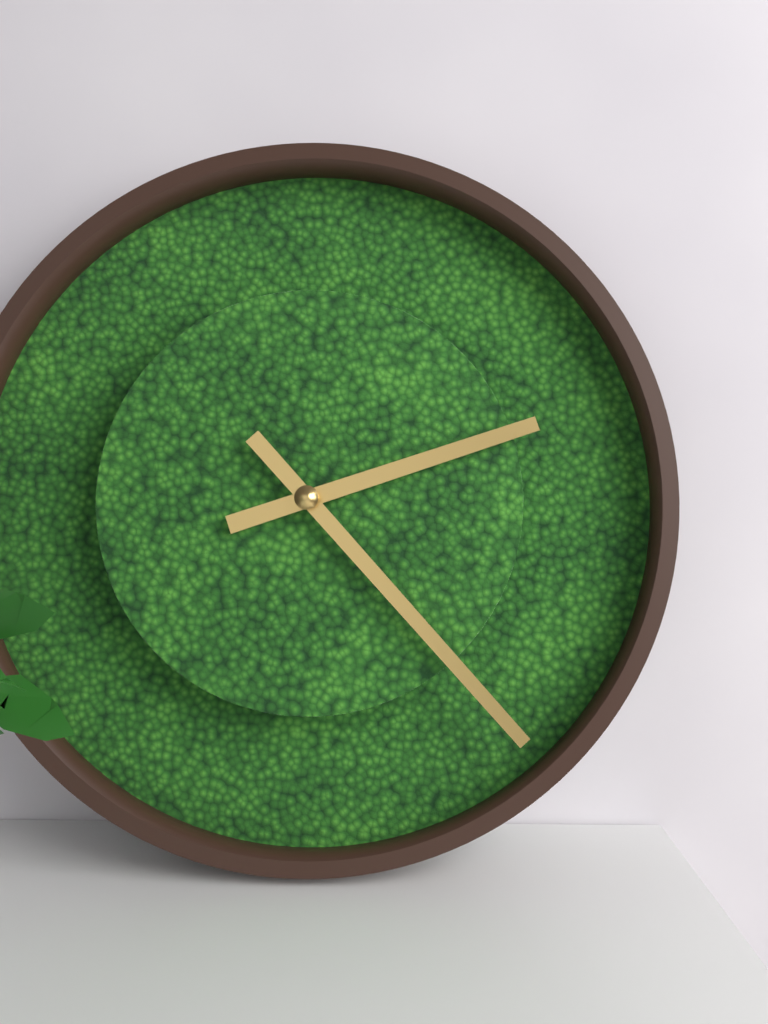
2:23
